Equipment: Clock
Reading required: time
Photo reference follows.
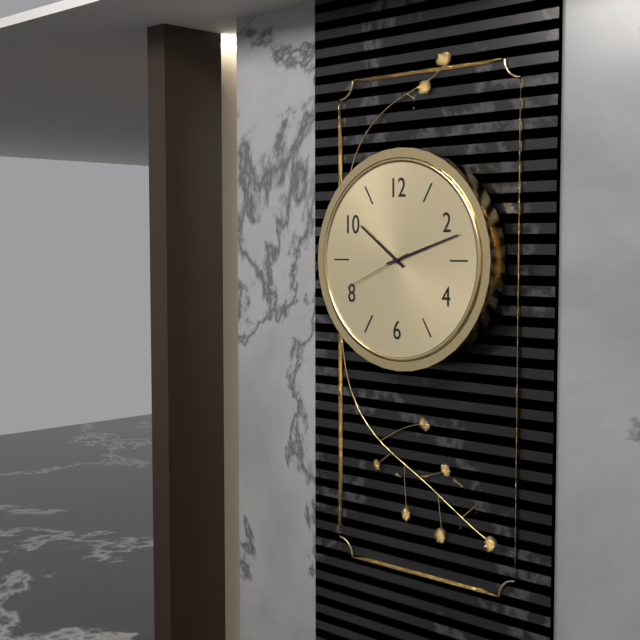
10:12:41
